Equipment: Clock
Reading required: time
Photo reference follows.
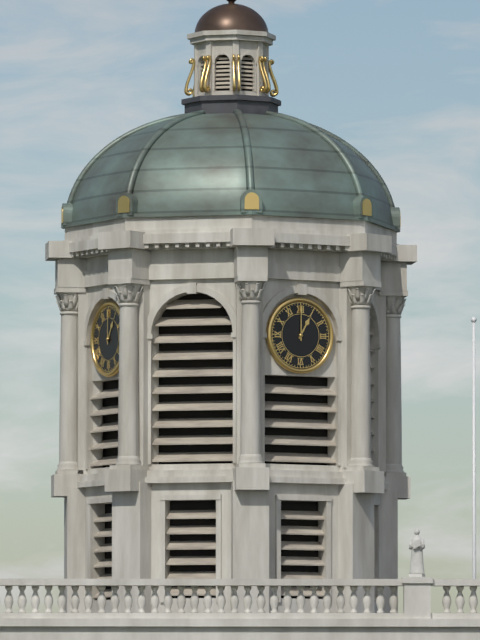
1:00
